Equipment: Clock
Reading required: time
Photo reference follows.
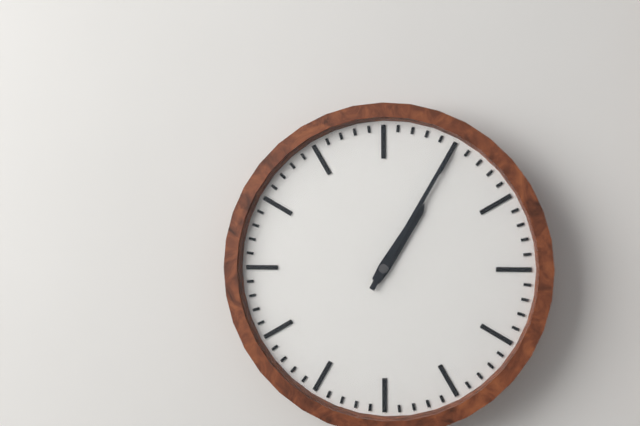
1:05
